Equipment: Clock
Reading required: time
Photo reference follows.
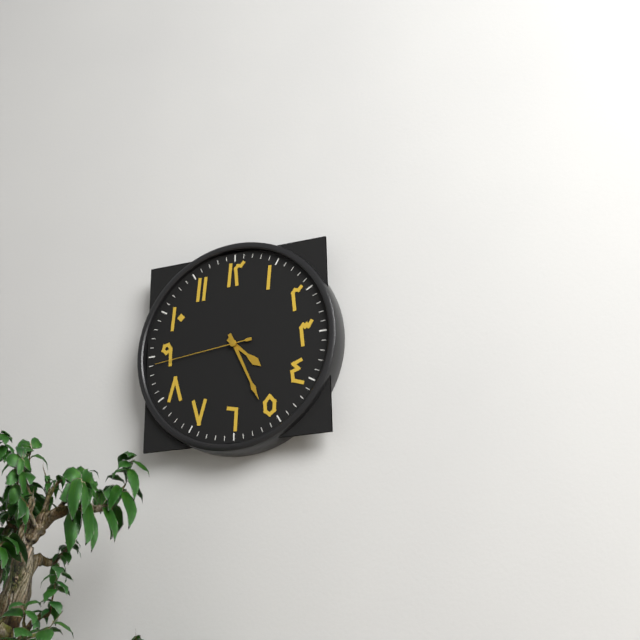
4:26:44
